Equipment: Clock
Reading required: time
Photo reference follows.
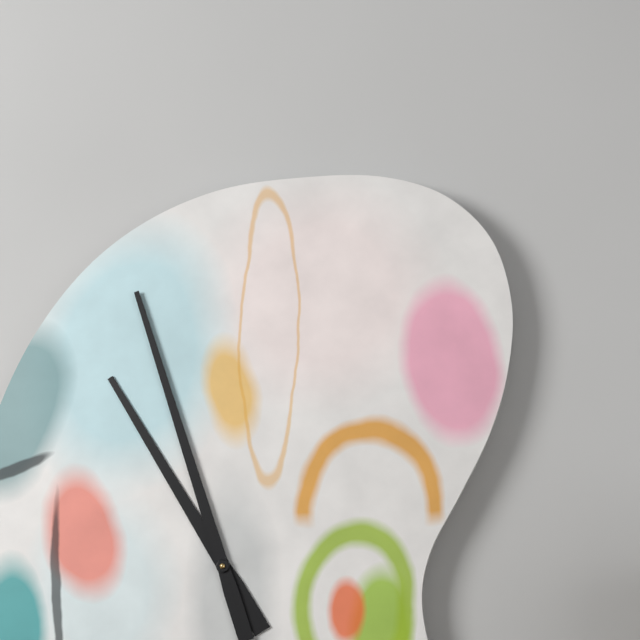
10:57
